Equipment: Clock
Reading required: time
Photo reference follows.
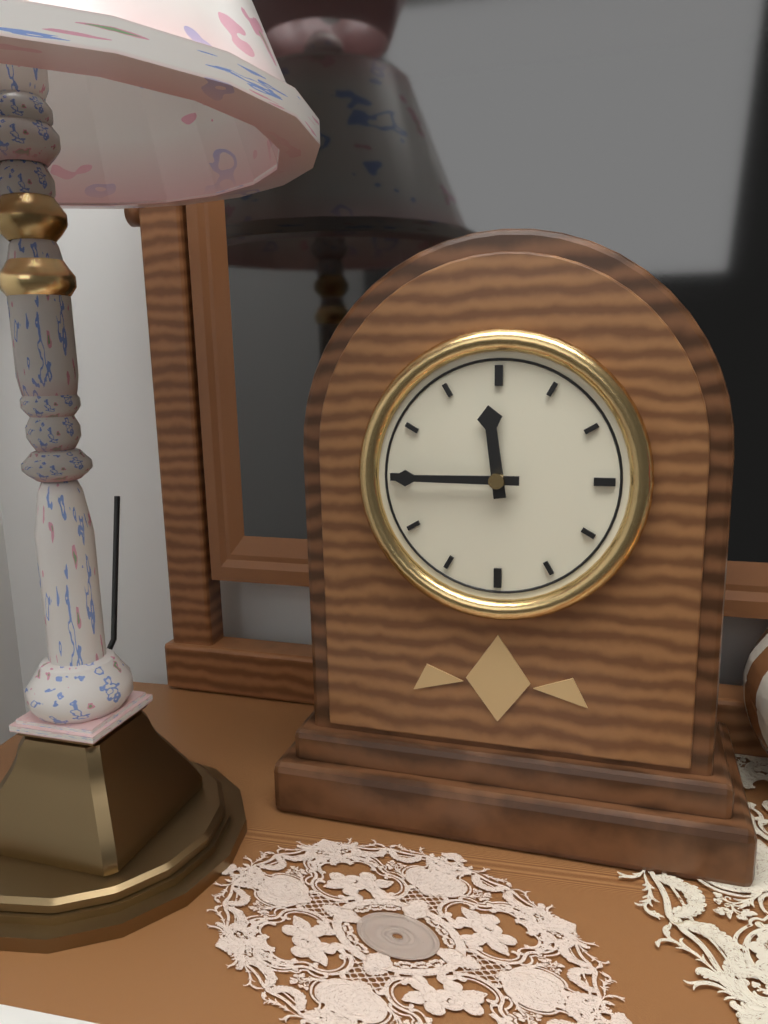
11:45
